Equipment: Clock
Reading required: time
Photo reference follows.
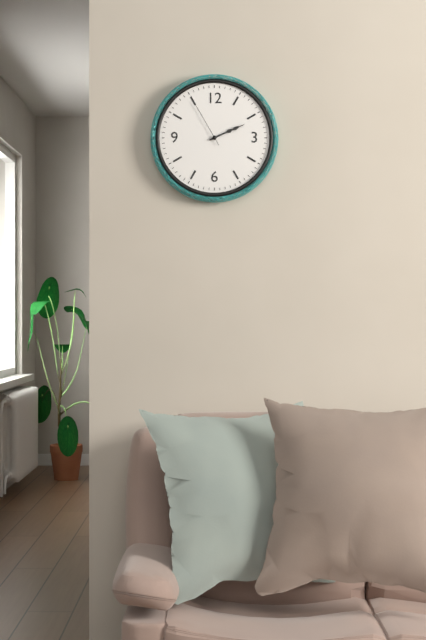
2:11:55
